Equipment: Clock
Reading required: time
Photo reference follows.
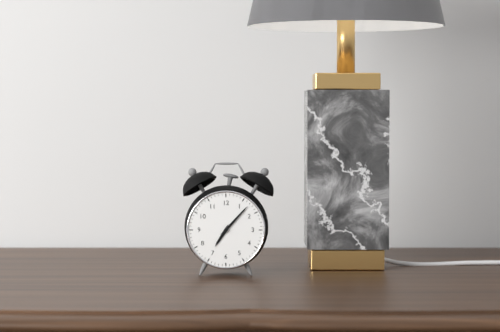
7:07
